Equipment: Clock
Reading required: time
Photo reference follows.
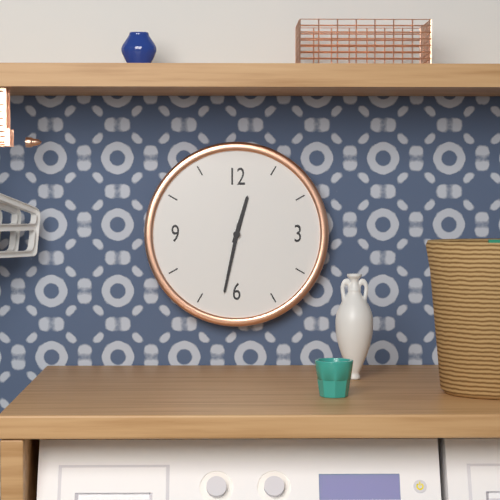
12:32
